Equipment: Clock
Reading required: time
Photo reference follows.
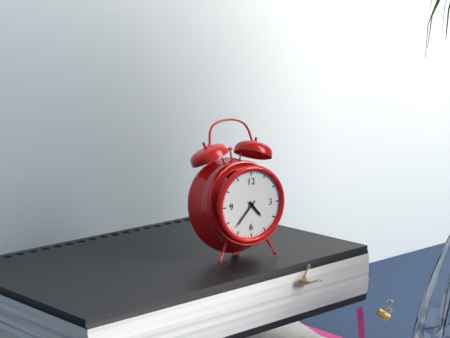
4:37
